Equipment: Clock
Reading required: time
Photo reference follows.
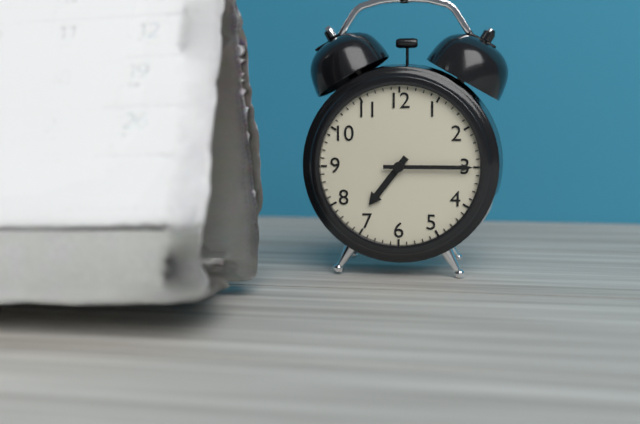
7:15
